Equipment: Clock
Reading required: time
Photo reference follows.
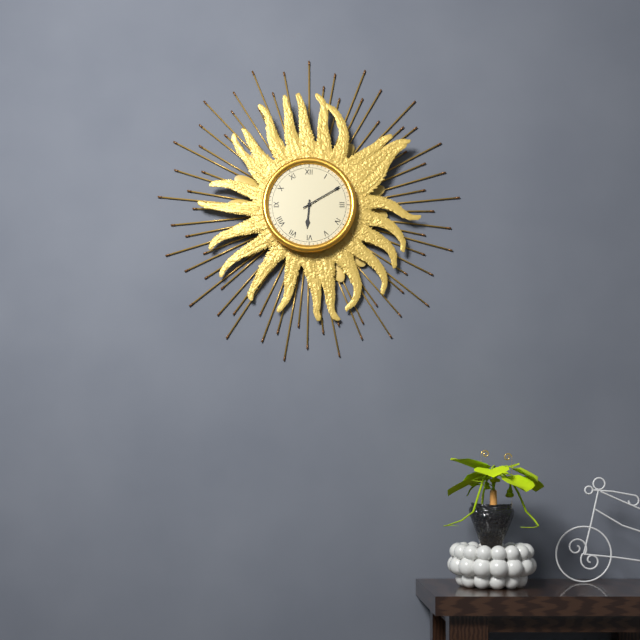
6:10
